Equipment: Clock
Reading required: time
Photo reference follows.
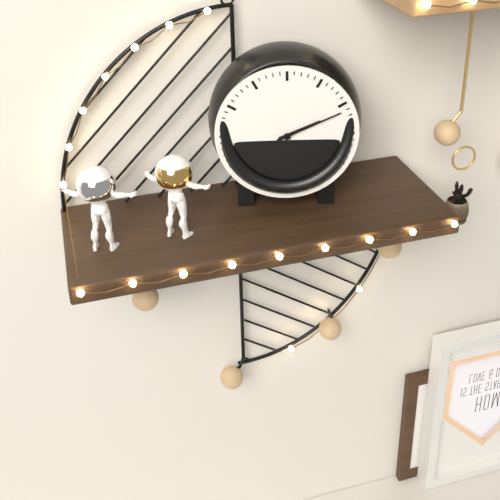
2:11
